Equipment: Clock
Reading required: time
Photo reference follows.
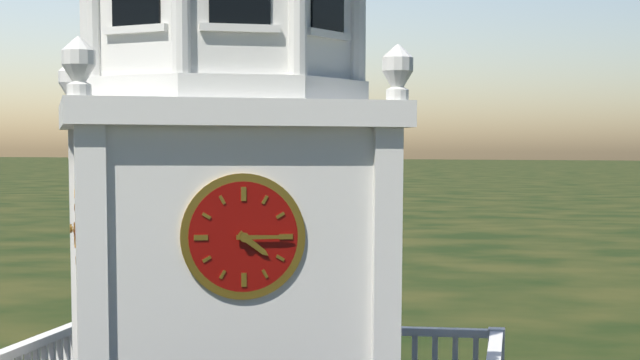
4:15
